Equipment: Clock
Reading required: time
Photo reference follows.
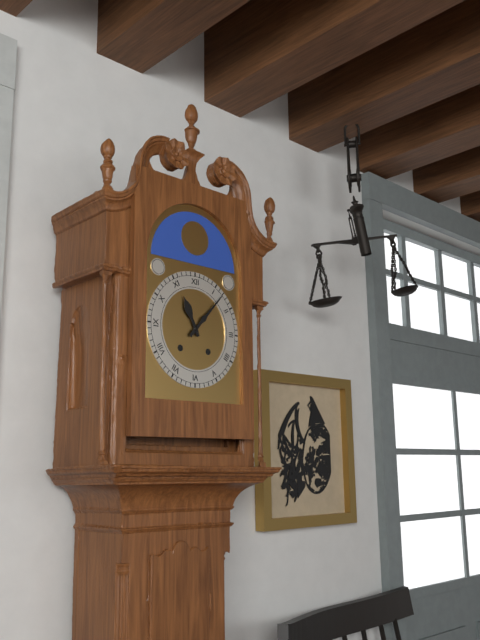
11:07
